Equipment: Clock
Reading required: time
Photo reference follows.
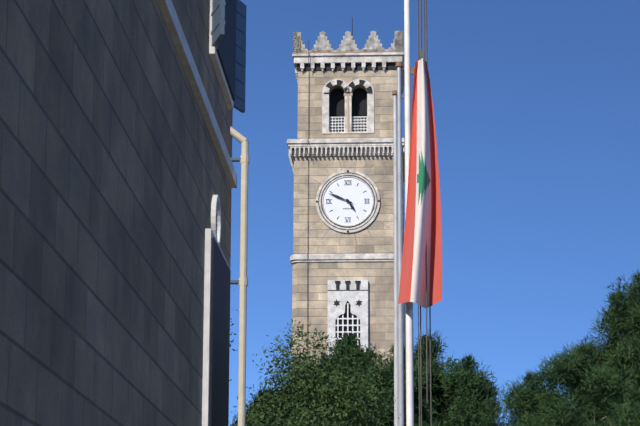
4:49
